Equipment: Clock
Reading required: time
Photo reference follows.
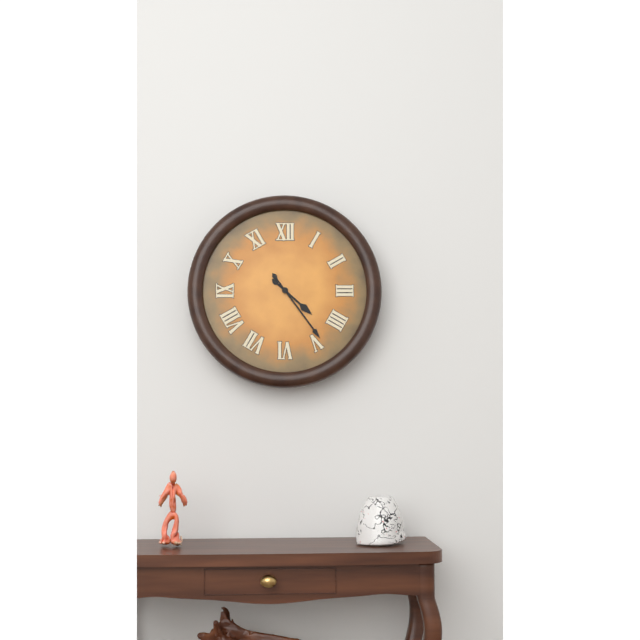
4:24
